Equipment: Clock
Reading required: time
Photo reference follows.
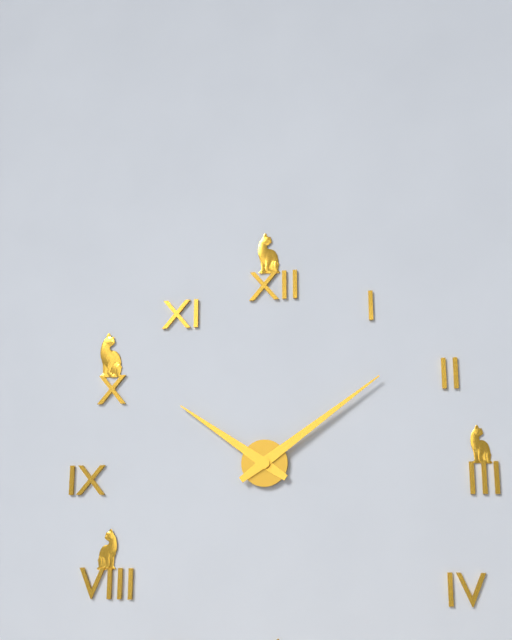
10:09
